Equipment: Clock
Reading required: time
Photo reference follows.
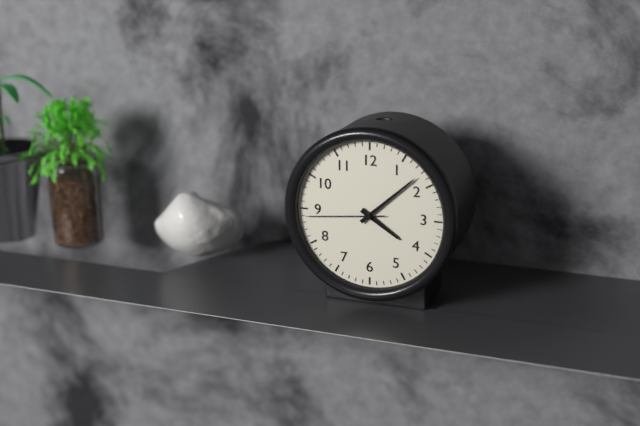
4:08:44
